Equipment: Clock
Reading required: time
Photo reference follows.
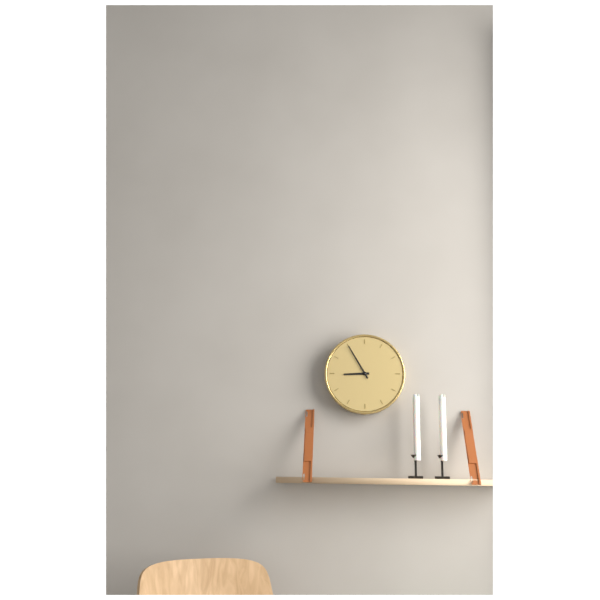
8:55
